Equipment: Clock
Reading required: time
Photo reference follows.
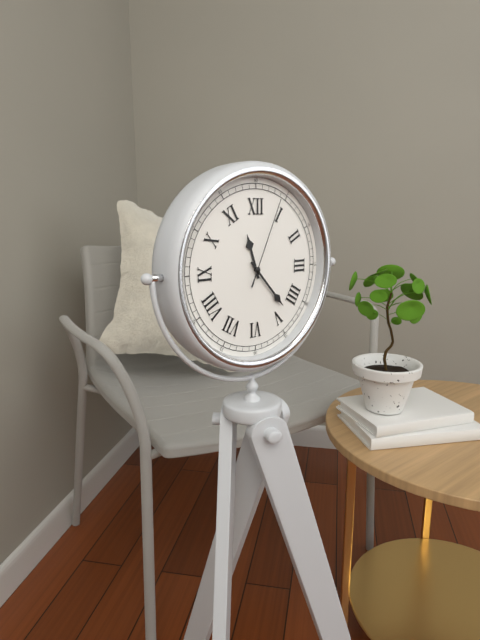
11:23:04
